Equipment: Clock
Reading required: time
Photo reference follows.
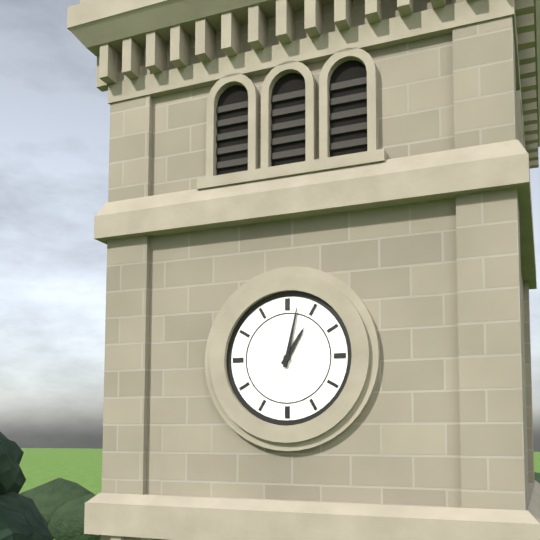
1:02
